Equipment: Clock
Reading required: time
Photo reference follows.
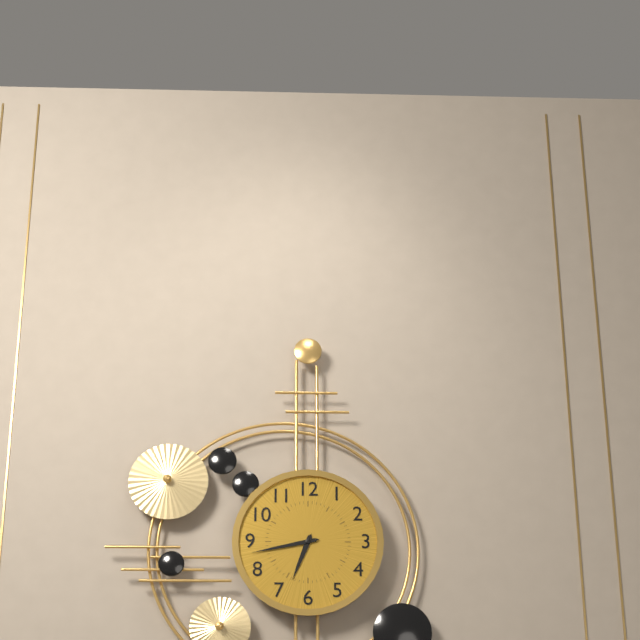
6:43
